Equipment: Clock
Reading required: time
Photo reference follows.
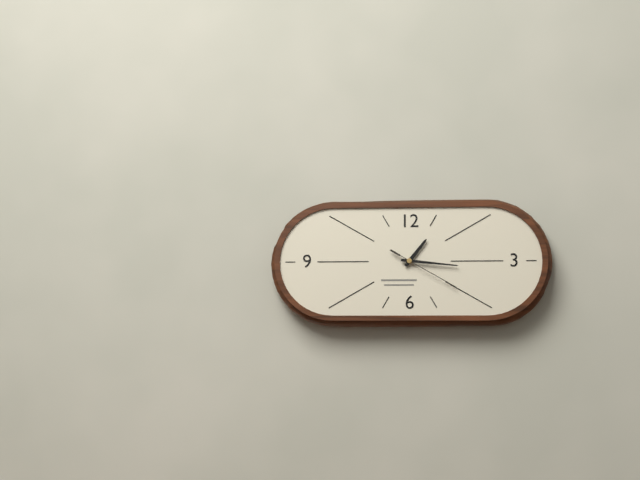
1:16:20
